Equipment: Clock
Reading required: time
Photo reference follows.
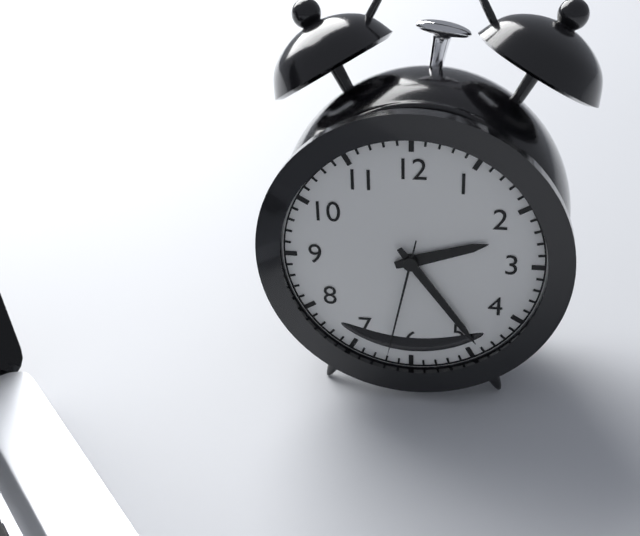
2:24:32
